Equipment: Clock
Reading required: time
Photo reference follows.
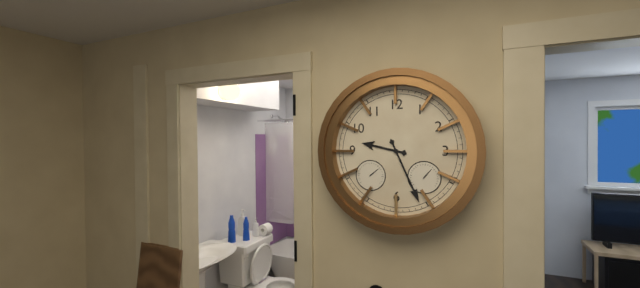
9:26
